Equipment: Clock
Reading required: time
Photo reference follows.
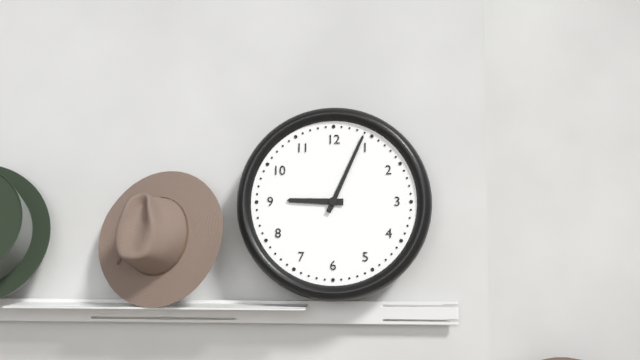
9:04
